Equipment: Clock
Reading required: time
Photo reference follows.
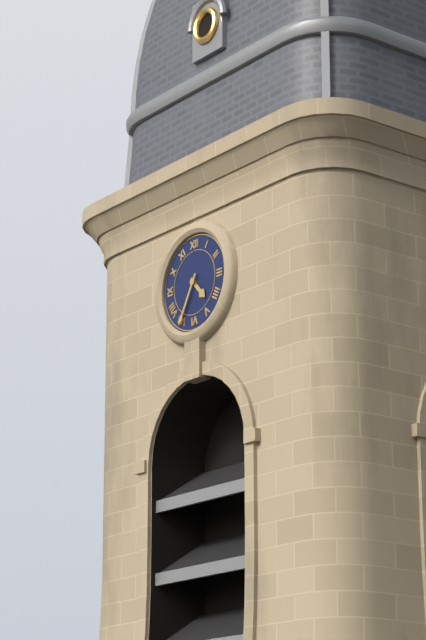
4:35
